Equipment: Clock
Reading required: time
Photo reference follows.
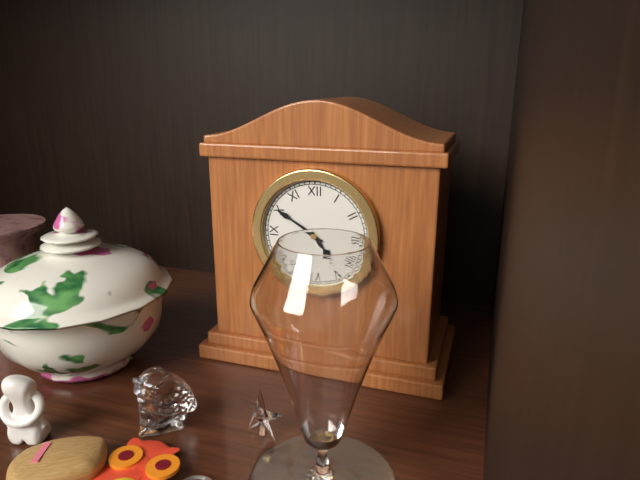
4:50
